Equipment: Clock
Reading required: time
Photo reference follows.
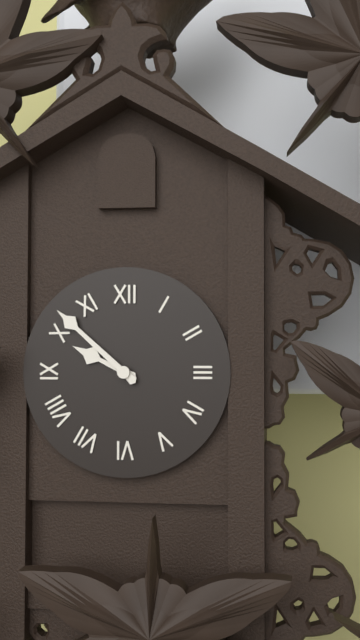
9:52
